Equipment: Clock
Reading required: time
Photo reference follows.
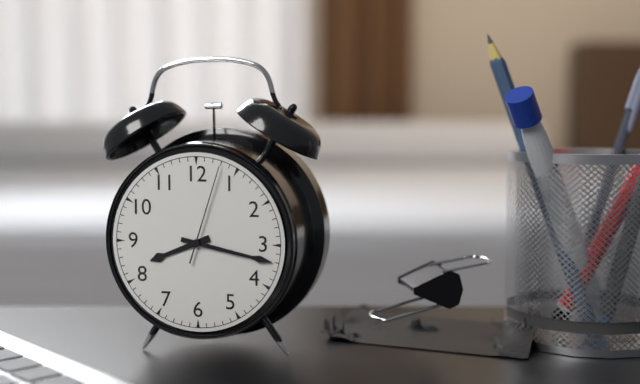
8:17:03
